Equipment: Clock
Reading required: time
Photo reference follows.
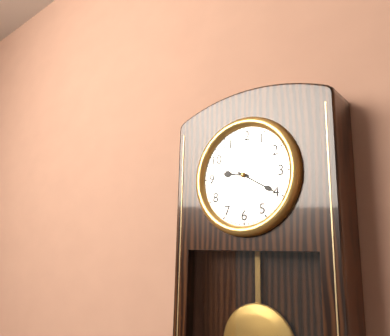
9:20
